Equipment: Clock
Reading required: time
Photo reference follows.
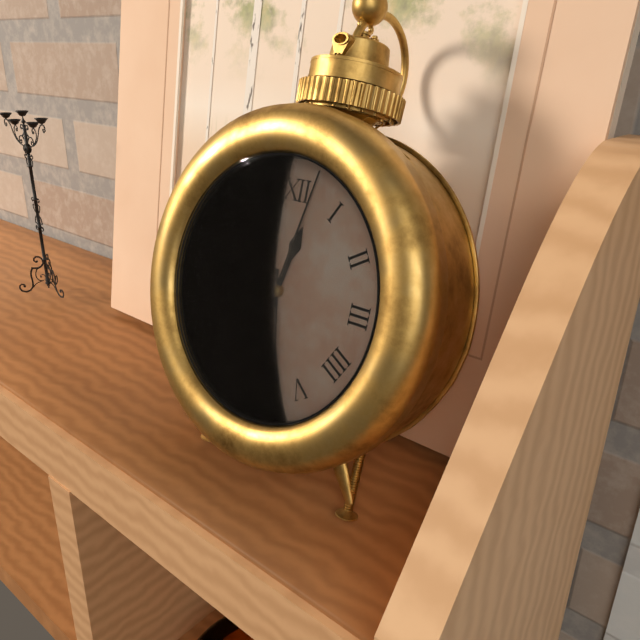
12:28:02
